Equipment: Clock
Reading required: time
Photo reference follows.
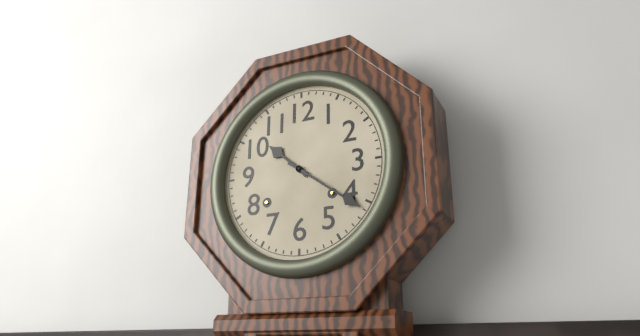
10:21
